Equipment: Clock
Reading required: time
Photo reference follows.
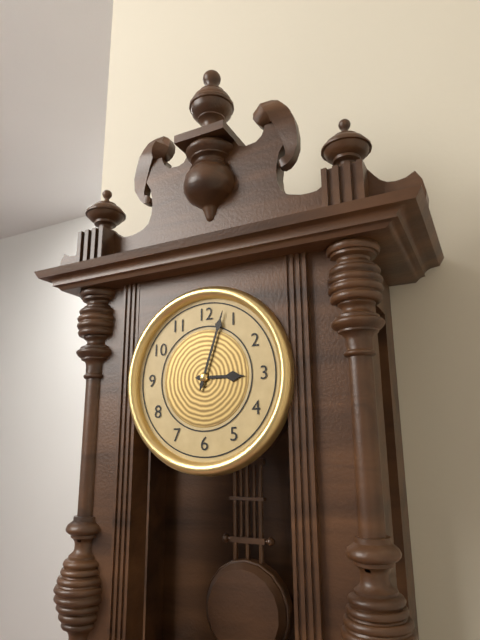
3:03
